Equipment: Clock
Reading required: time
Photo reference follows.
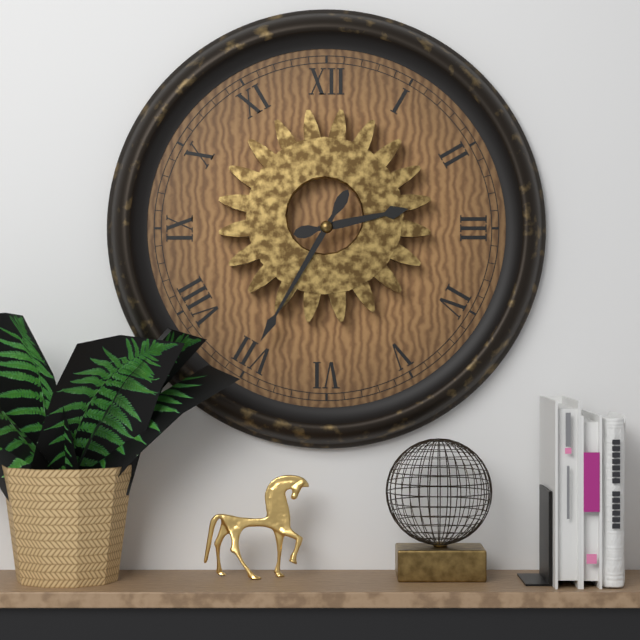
2:35
